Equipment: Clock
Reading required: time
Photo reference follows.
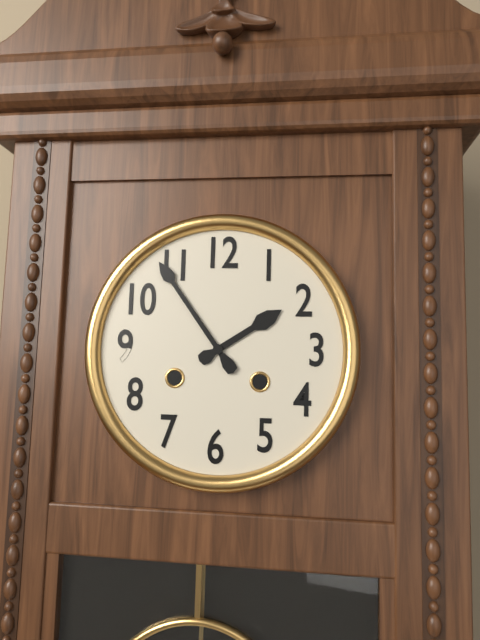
1:54
